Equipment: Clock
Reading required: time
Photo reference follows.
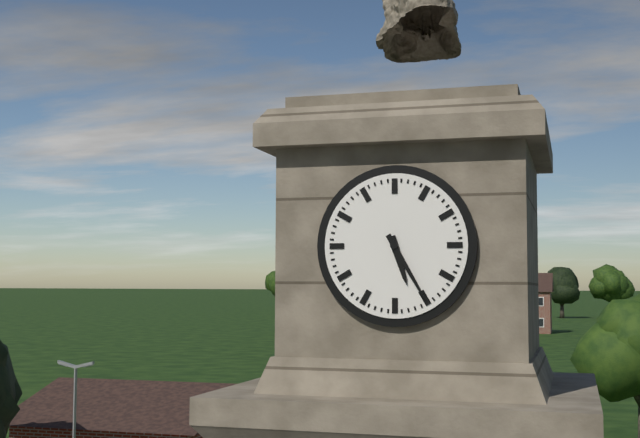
5:25
